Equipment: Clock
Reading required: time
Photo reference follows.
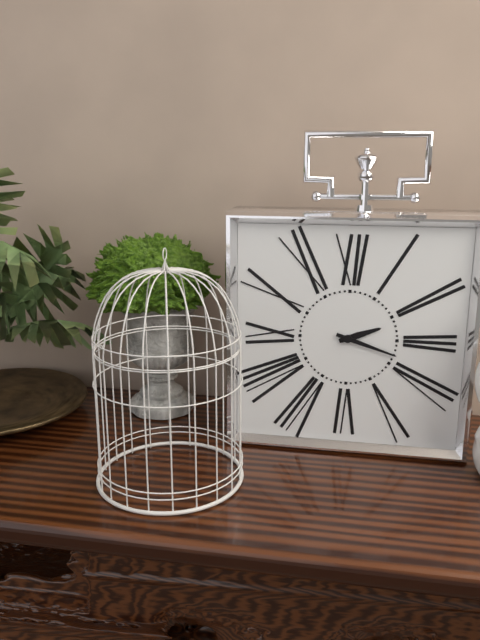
2:18
